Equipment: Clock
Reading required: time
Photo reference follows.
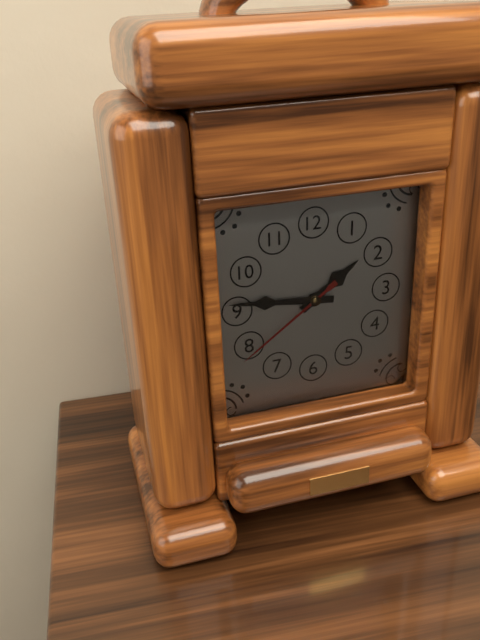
1:46:39
